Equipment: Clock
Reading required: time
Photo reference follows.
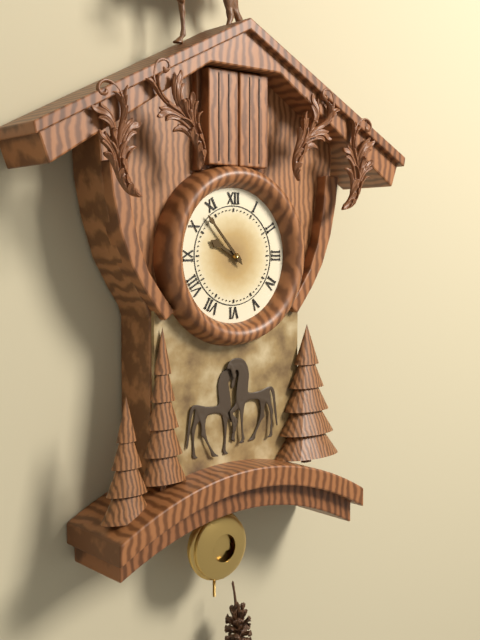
9:53
